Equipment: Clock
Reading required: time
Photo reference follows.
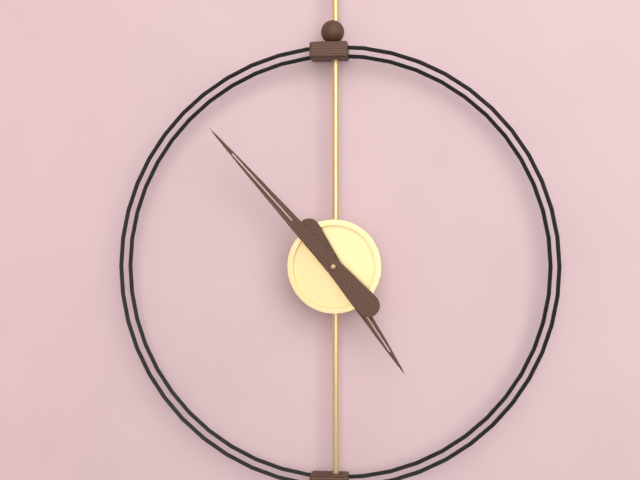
4:53
